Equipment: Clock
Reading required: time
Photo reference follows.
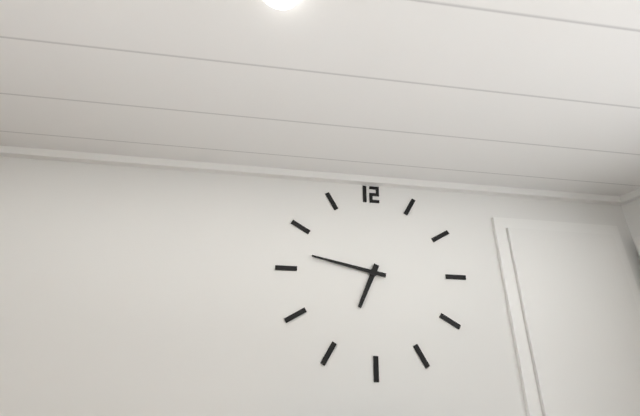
6:47
